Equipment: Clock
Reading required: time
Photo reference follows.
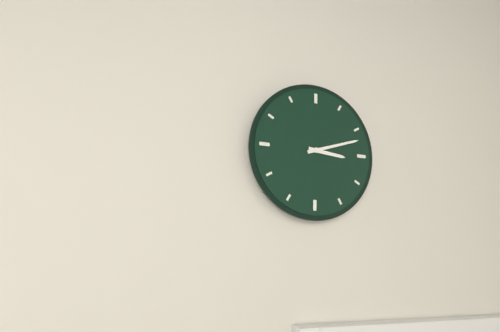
3:12
